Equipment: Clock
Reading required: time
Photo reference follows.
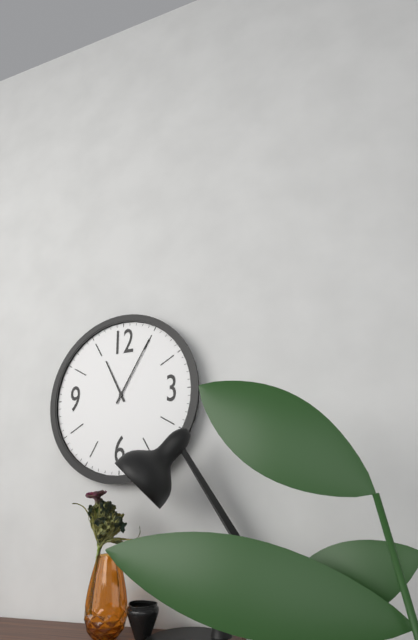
11:05
